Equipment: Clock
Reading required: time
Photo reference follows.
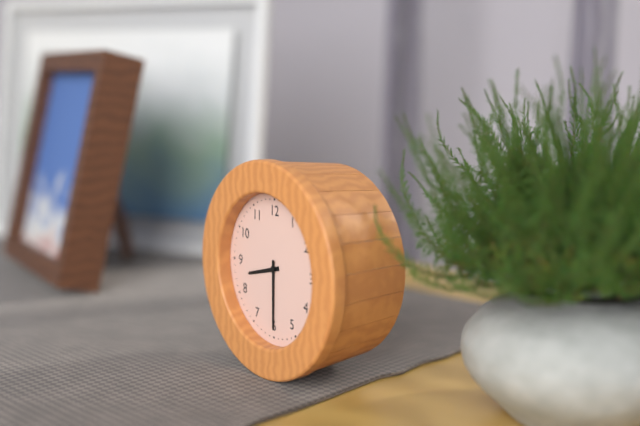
8:30
